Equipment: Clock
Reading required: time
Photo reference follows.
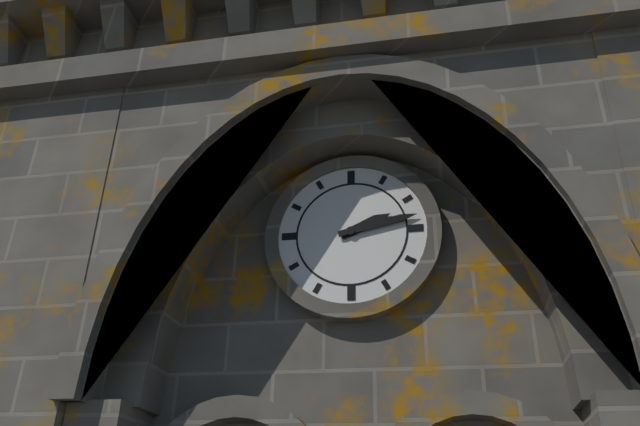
2:13
